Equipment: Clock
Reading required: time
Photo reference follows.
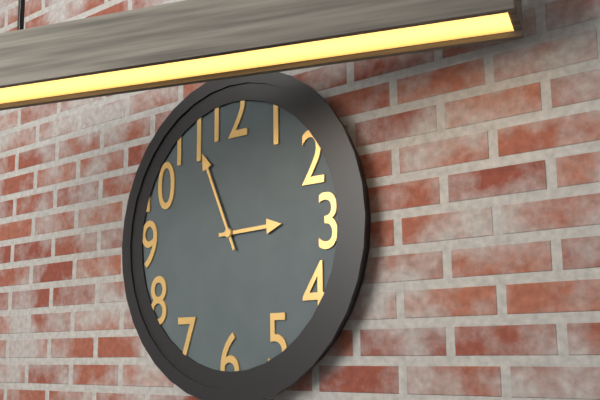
2:56
